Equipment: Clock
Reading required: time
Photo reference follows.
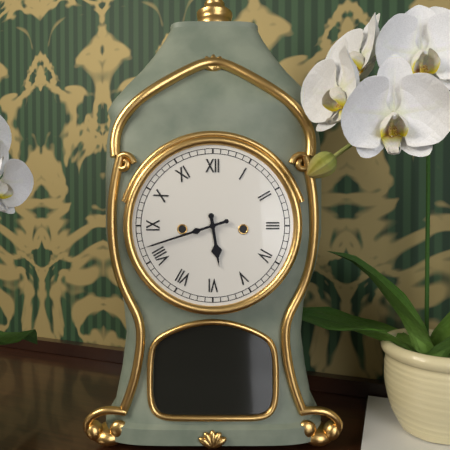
5:42
